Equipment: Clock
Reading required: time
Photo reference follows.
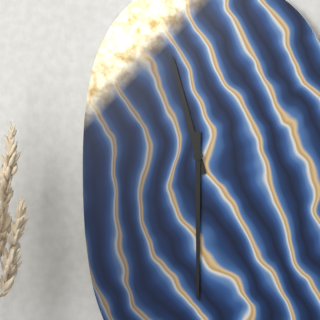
11:30
